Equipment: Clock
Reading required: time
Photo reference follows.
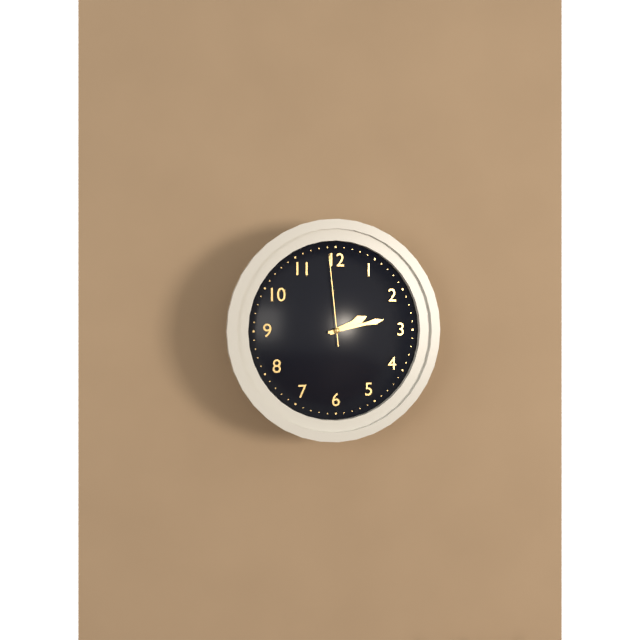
2:13:59
